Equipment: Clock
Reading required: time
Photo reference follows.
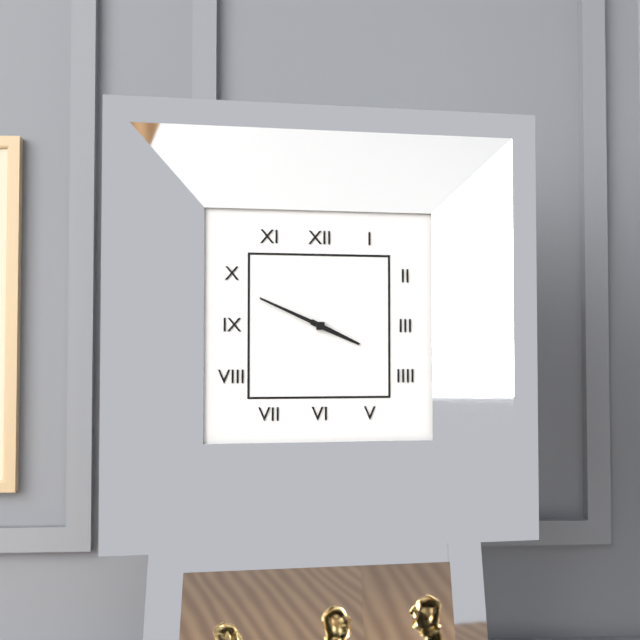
3:49
